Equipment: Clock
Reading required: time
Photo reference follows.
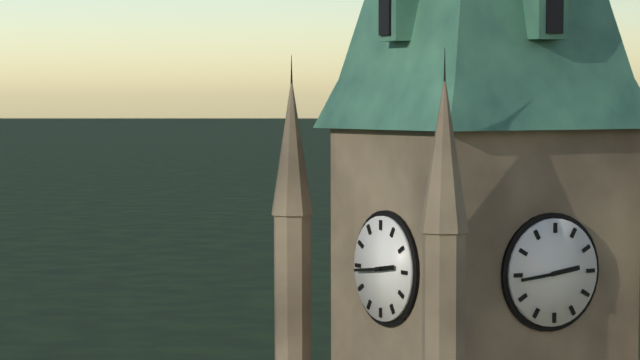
2:44
